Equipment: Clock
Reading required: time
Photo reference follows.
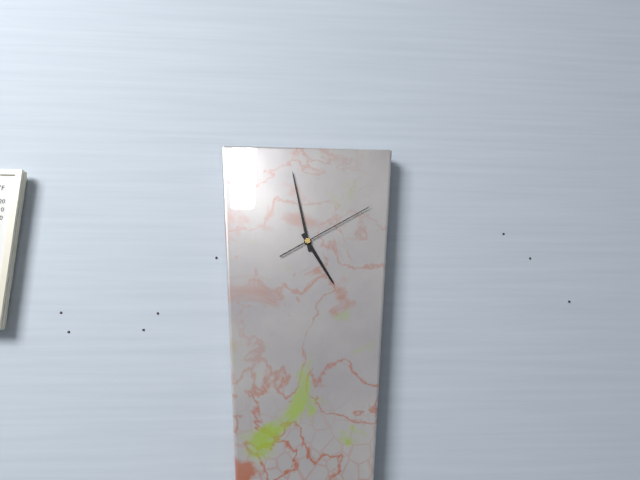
4:58:10
